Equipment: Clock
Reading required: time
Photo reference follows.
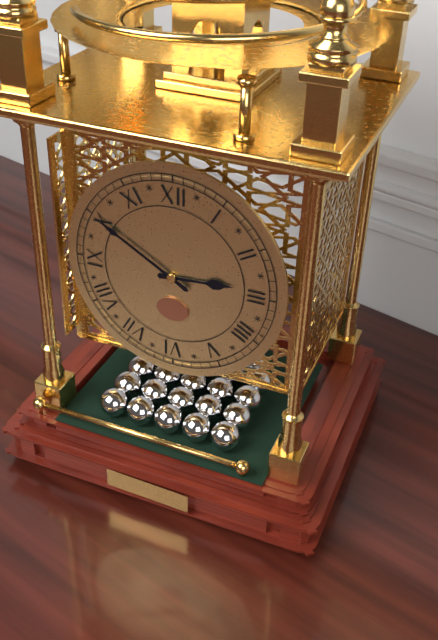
2:50
